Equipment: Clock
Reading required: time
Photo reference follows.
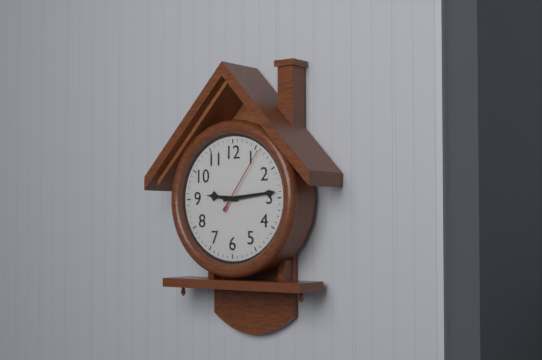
9:14:06
